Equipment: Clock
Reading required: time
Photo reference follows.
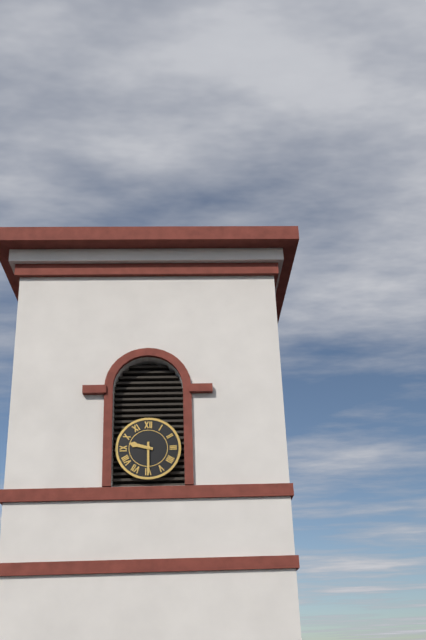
9:30
